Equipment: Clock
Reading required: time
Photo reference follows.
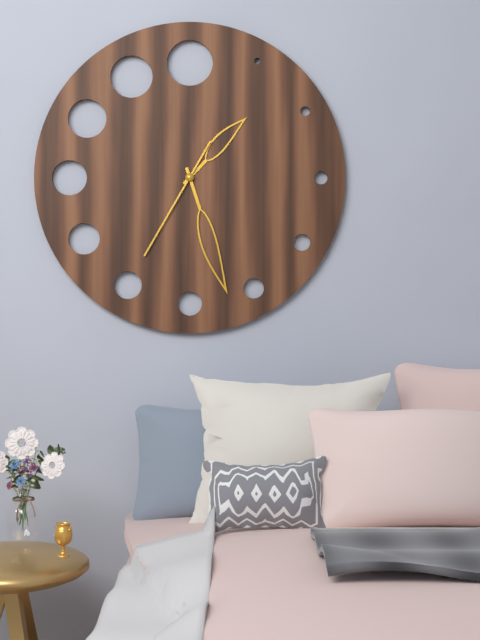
1:27:35
